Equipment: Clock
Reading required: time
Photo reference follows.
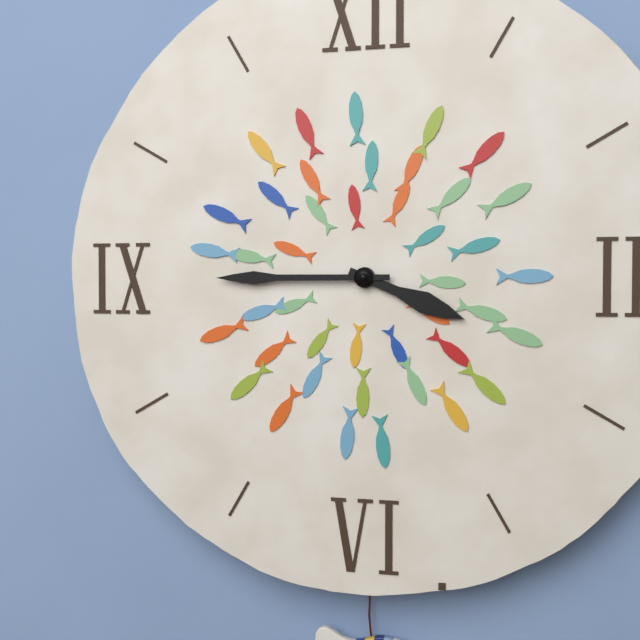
3:45
